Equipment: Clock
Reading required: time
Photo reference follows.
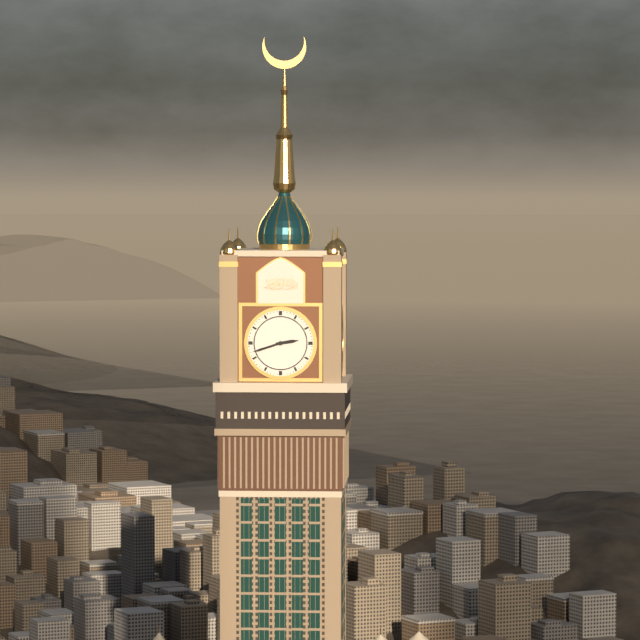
2:42
